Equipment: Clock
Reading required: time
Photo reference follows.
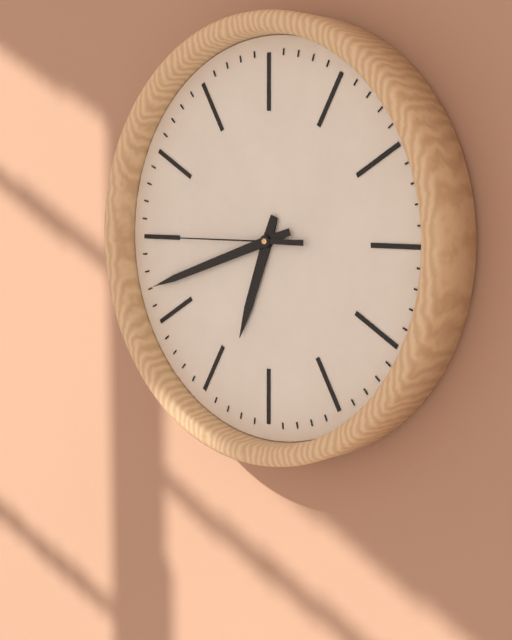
6:42:45
